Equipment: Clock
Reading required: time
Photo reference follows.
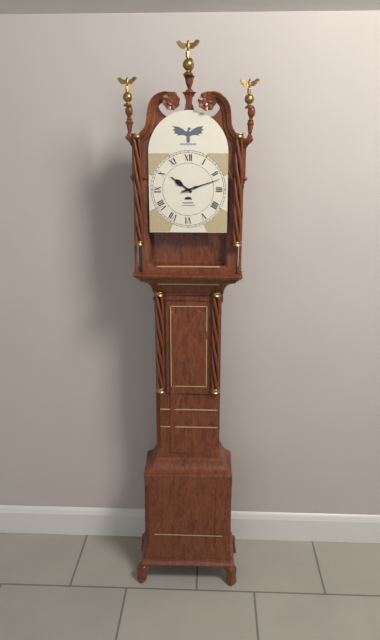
10:12
